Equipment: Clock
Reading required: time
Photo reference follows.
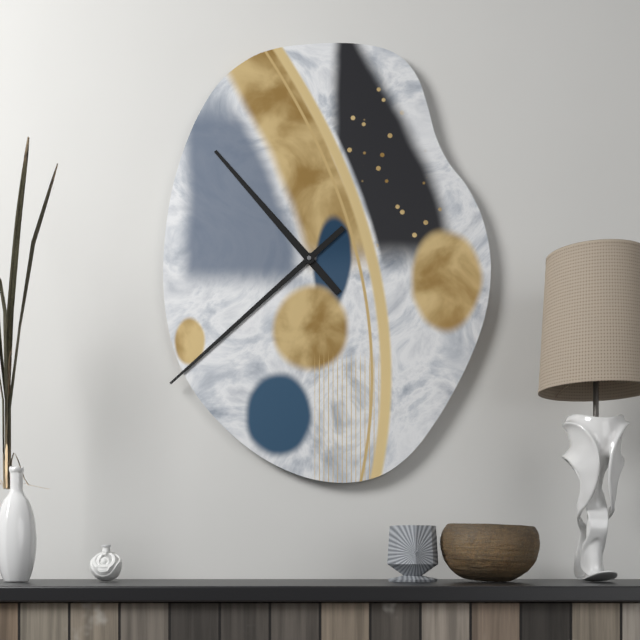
10:38
